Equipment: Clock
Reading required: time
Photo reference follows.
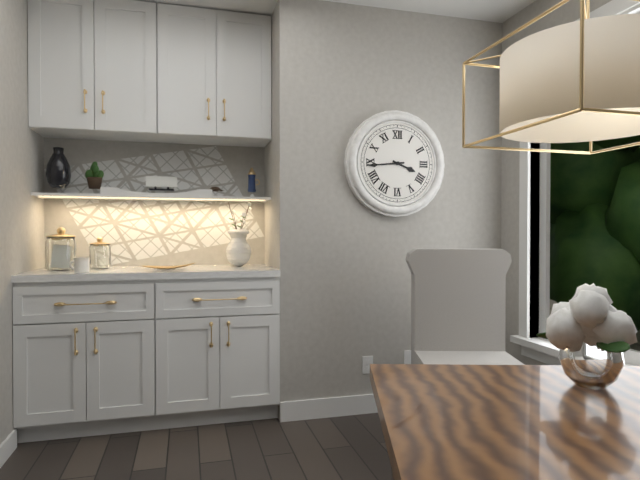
3:44
